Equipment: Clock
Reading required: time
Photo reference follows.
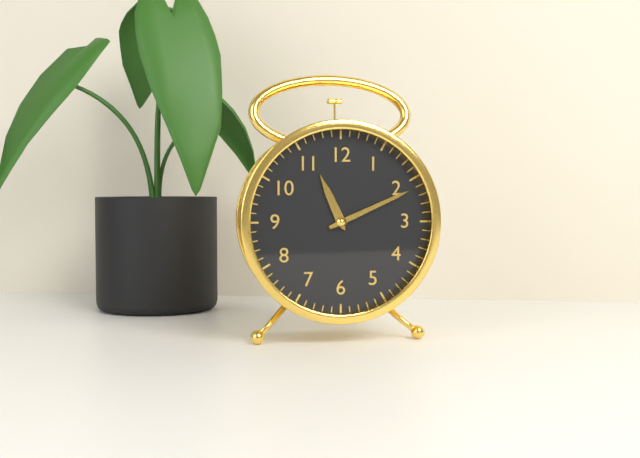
11:11
